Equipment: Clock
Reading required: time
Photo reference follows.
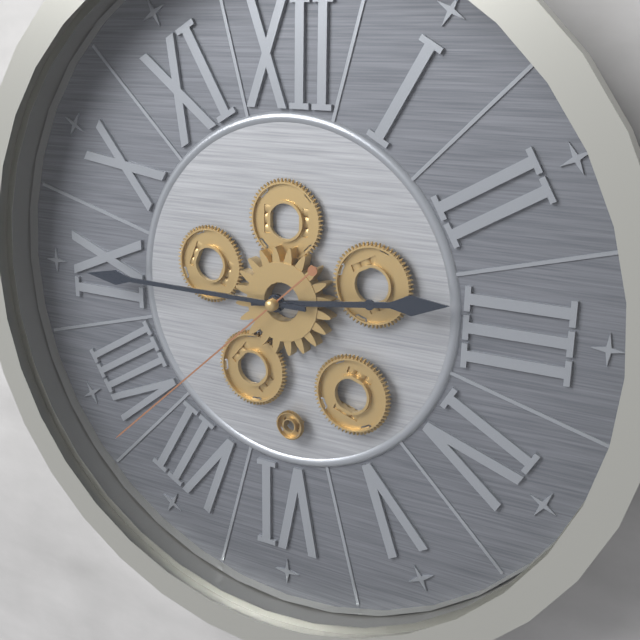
2:45:38
